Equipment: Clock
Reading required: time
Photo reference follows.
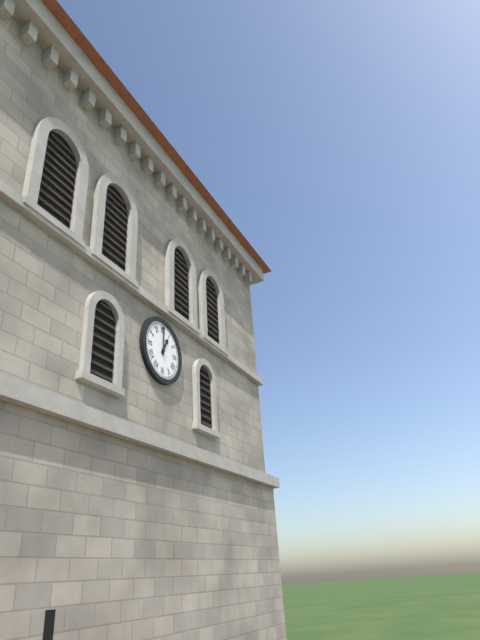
1:00
